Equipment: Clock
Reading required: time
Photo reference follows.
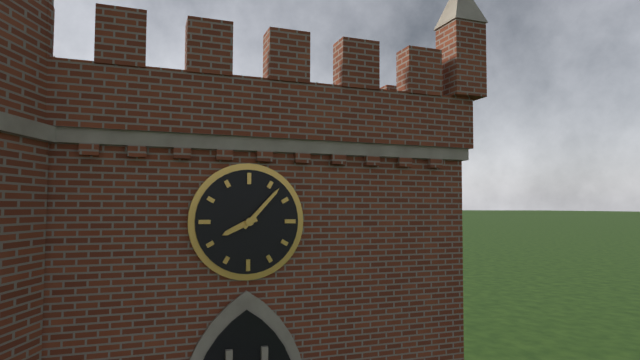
8:07
